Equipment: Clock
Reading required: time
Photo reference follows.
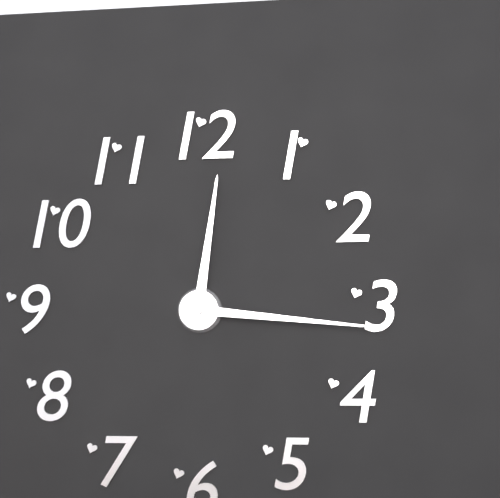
12:16
